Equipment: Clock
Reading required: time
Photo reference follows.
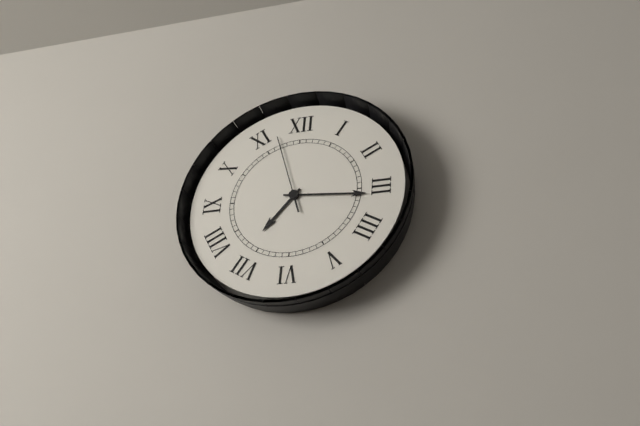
7:16:57
